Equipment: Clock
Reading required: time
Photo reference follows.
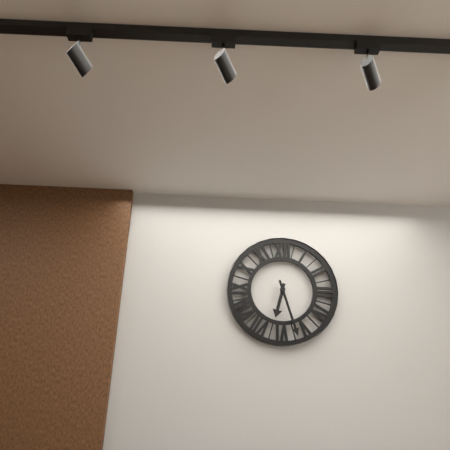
6:27
